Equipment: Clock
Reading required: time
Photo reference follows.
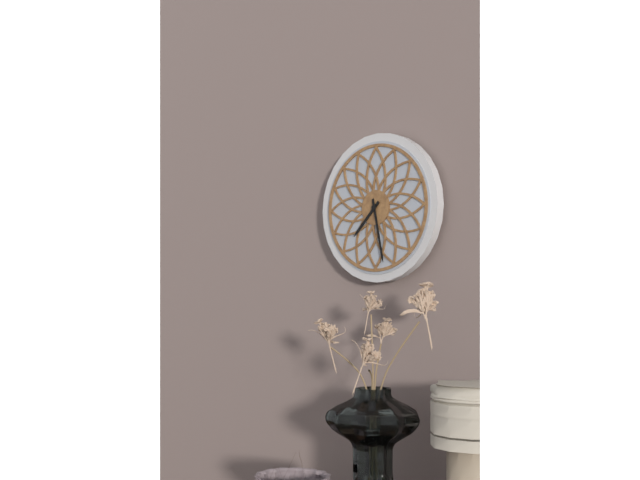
7:28
